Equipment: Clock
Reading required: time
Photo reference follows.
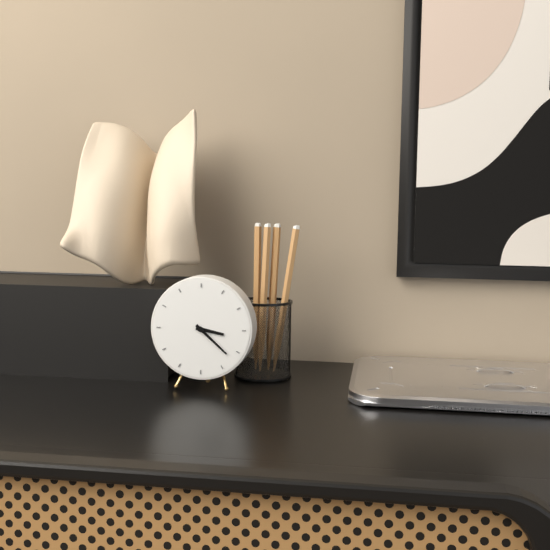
3:22
